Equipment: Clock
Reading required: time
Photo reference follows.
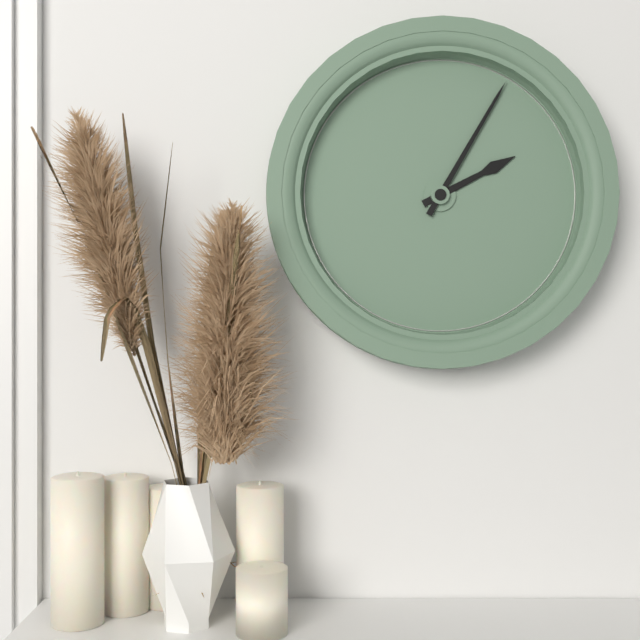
2:05
